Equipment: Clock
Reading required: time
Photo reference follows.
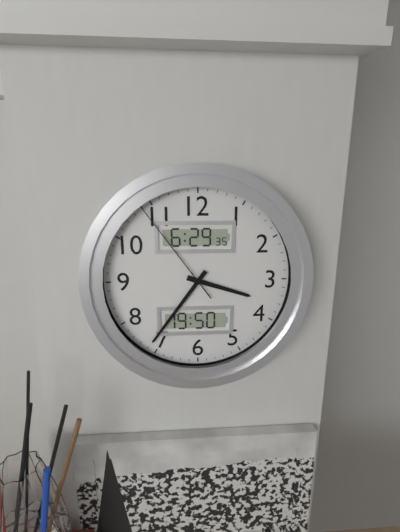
3:36:54
